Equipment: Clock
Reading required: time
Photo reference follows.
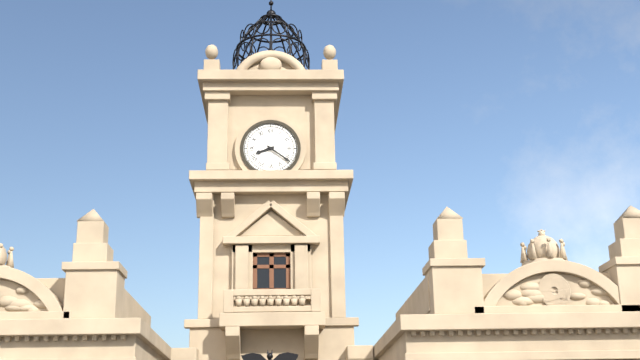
8:21
